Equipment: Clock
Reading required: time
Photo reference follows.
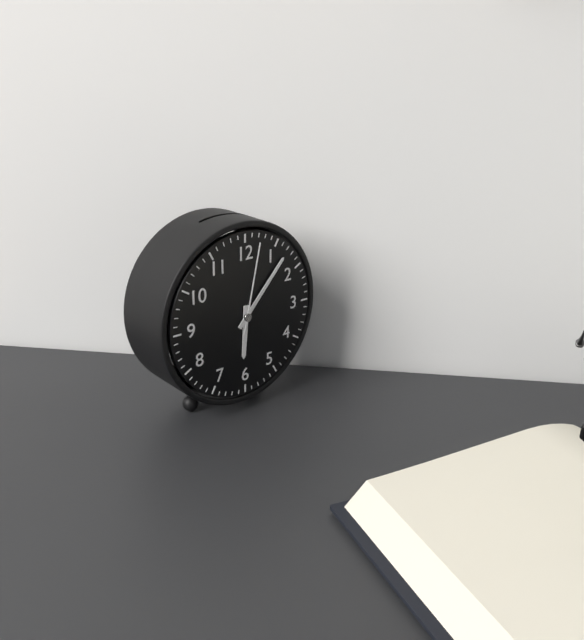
6:07:02
